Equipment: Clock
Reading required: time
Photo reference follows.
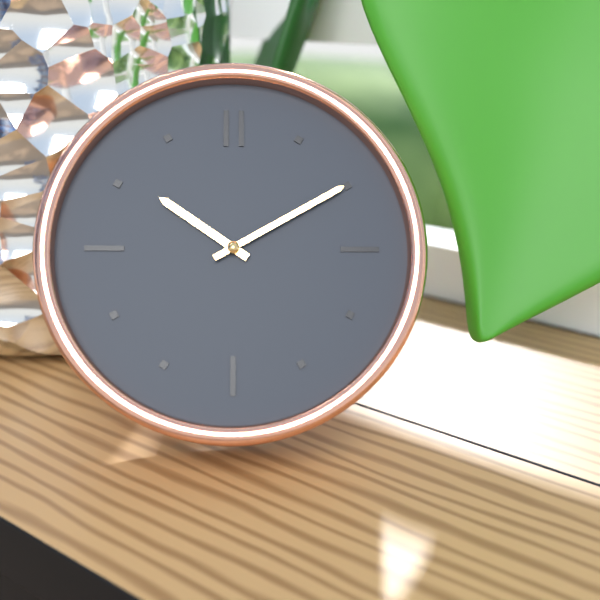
10:10
